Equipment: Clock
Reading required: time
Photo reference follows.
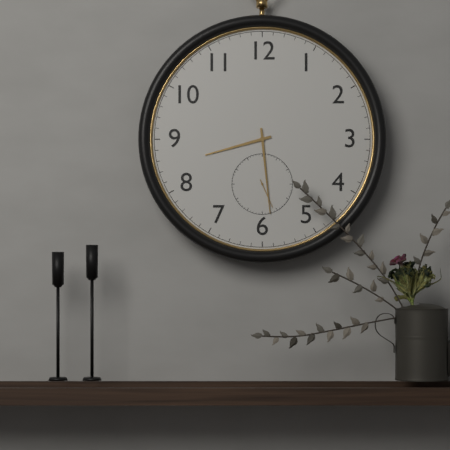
8:29
